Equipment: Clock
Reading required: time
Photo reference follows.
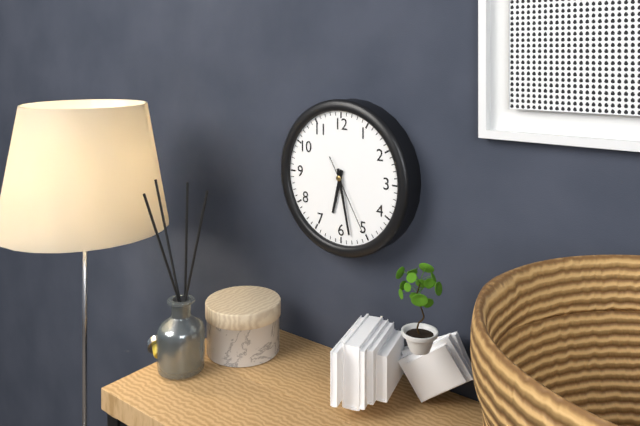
6:28:25
